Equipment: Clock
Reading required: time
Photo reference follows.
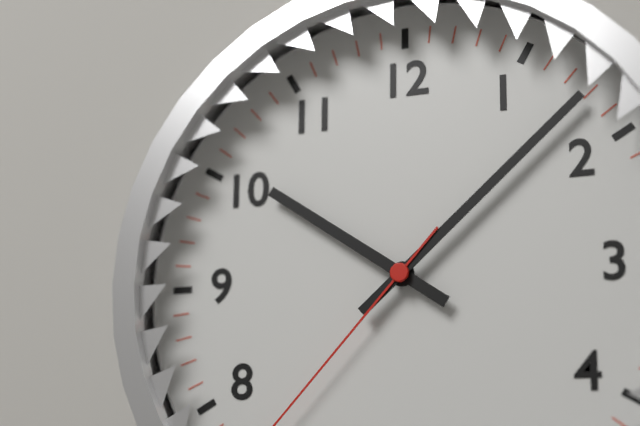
10:08
